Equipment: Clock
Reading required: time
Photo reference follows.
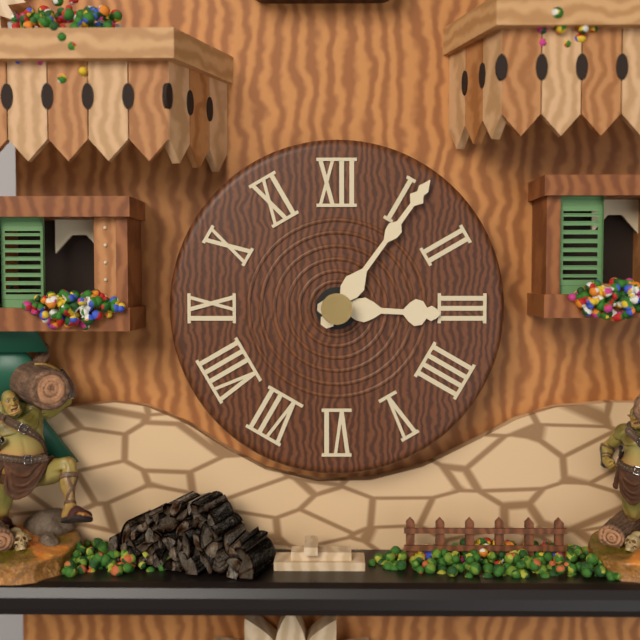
3:06
